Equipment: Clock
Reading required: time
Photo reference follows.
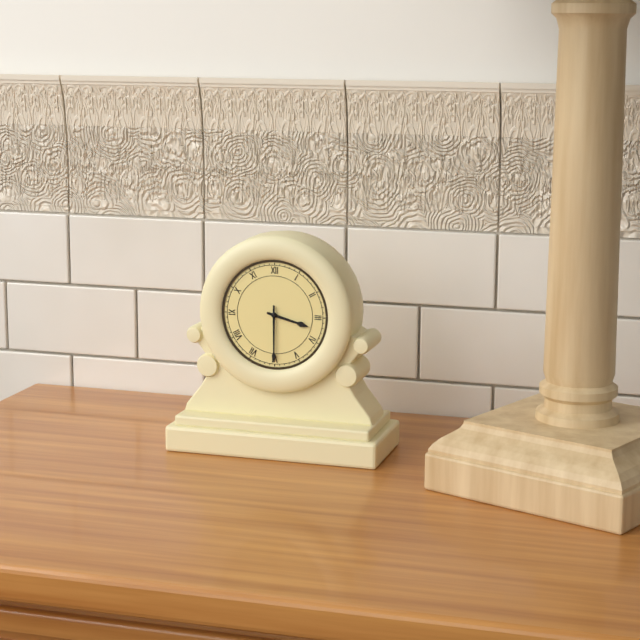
3:30
